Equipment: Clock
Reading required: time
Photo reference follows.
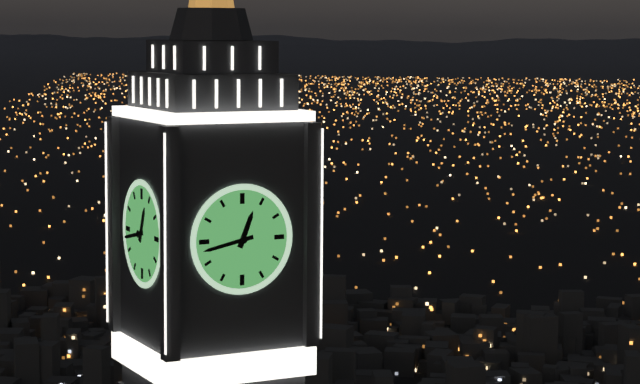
12:43
